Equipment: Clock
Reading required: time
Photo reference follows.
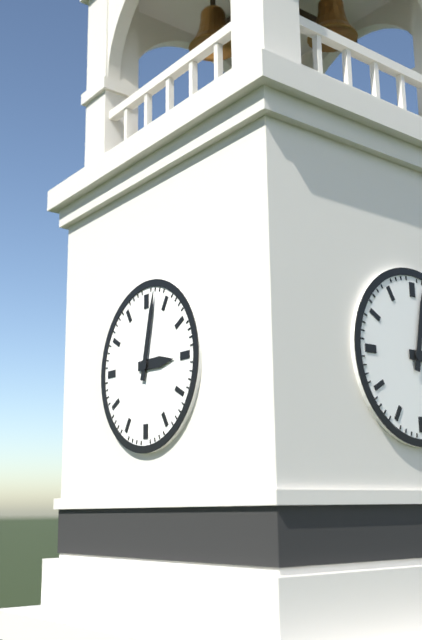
3:02
